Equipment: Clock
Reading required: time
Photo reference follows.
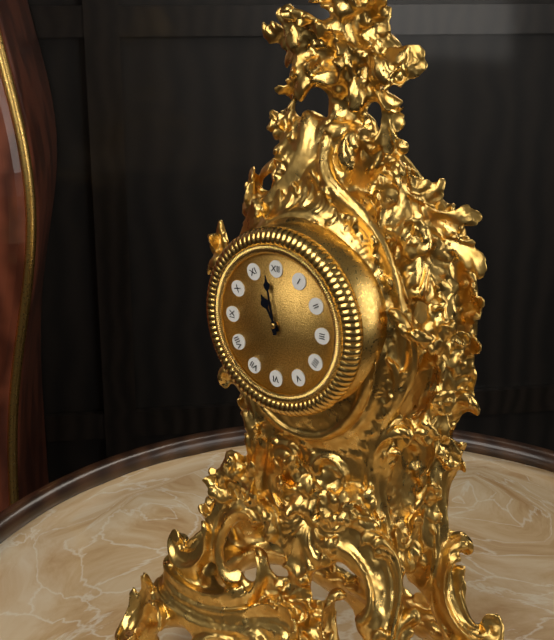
10:58
